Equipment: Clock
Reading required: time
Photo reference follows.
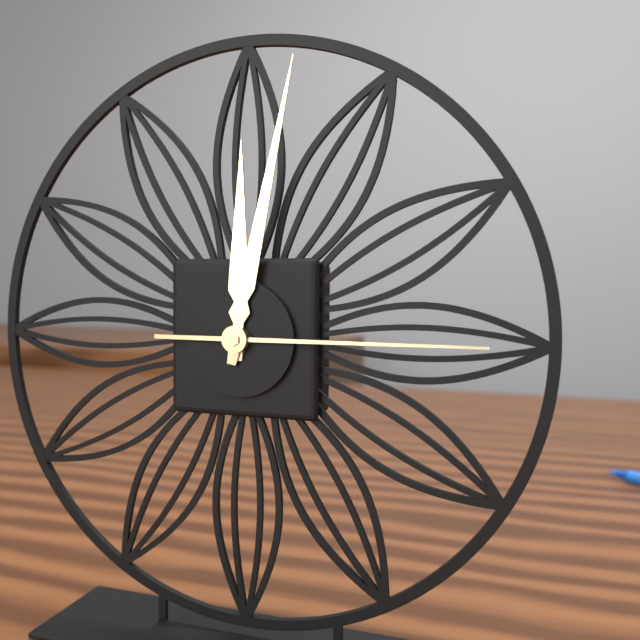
12:02:15
